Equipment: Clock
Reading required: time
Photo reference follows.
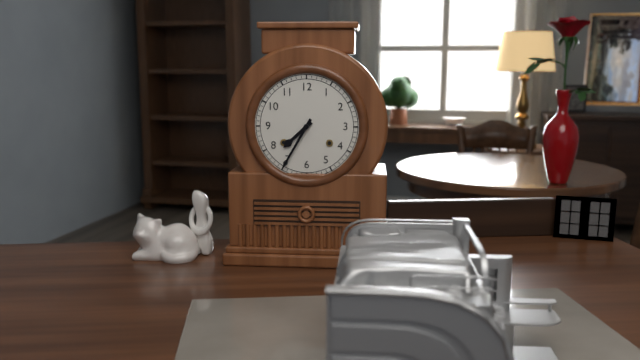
7:35
